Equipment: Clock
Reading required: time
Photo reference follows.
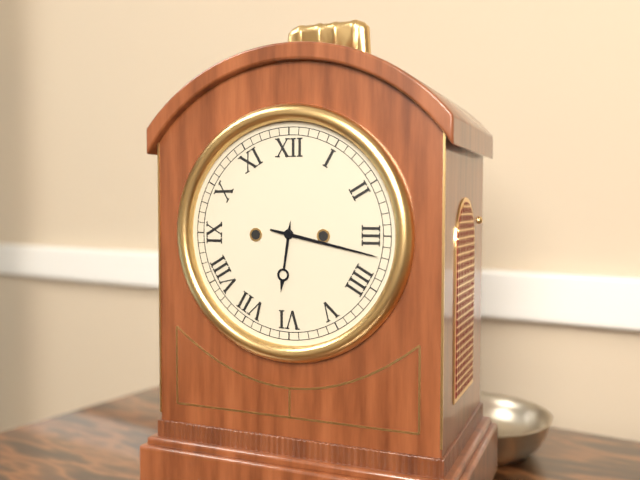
6:17
